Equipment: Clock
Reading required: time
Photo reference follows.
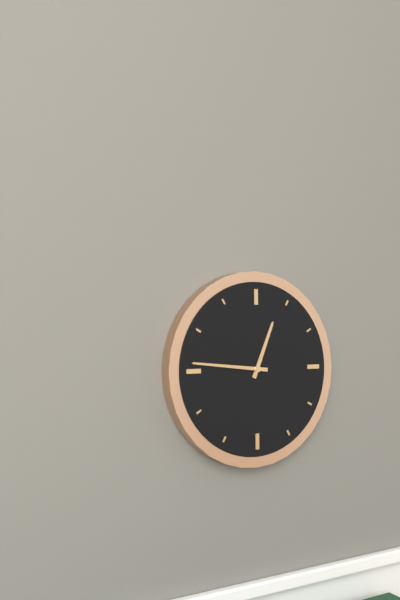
12:46
